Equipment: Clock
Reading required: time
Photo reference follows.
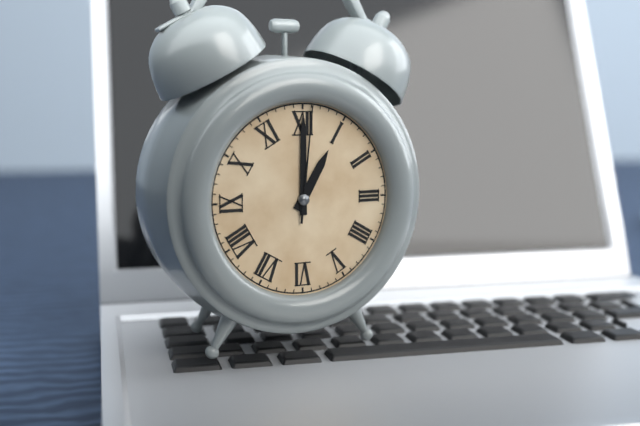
1:00:01
